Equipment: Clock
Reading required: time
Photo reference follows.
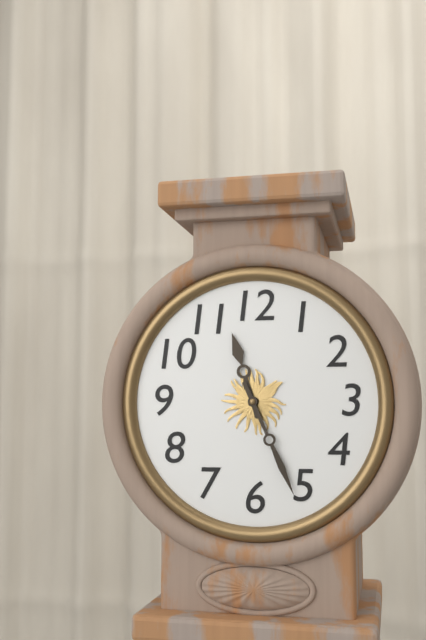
11:26
